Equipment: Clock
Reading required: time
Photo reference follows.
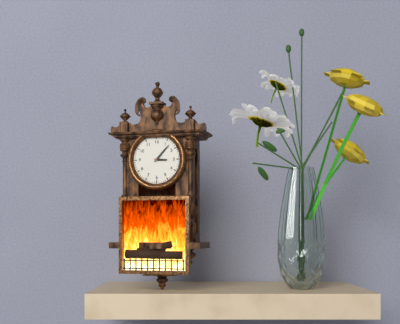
3:07
